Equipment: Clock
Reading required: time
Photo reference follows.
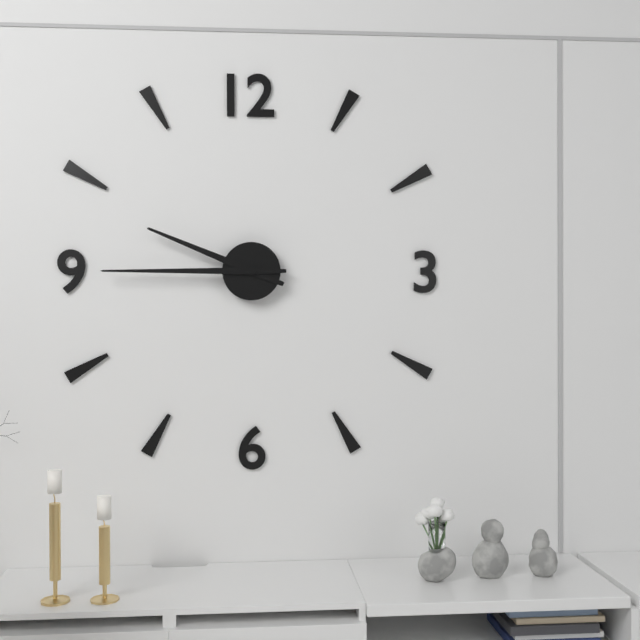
9:45
